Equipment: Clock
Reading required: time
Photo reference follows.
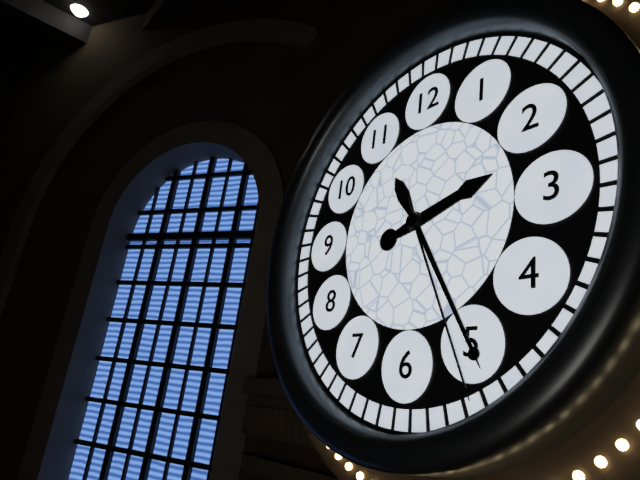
2:25:26
